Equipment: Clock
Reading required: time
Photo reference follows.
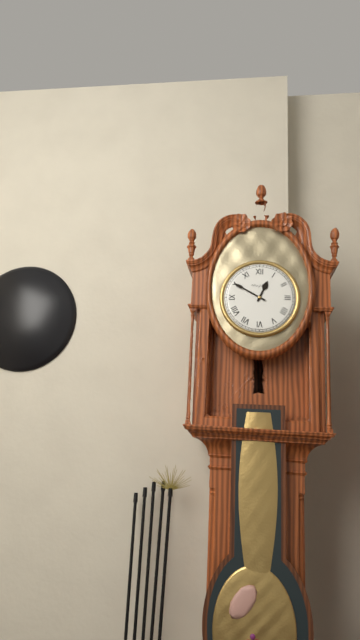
12:50
